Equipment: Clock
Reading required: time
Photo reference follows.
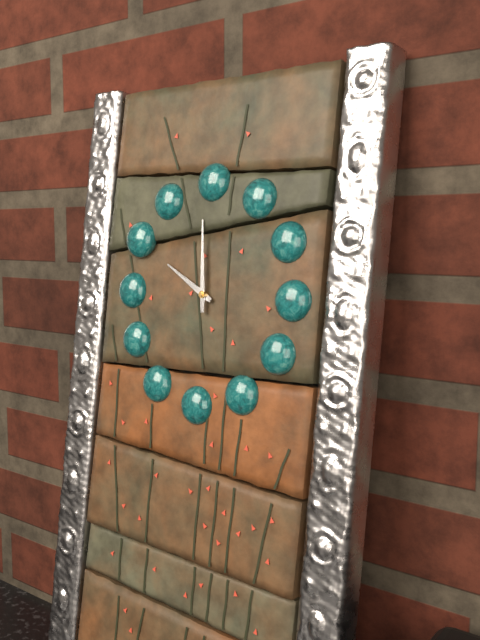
9:59
